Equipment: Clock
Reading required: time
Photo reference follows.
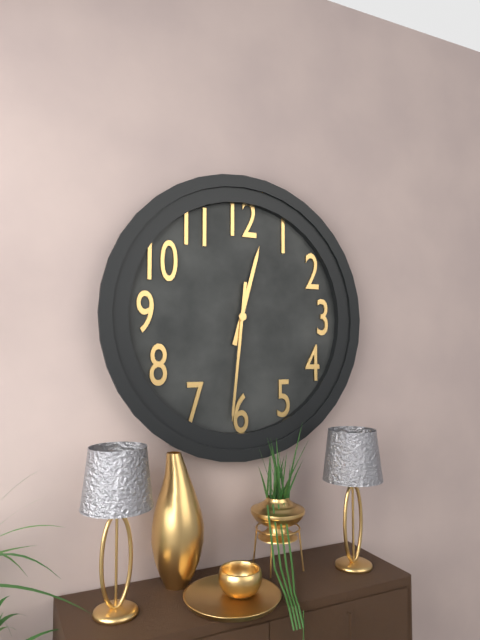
12:31
